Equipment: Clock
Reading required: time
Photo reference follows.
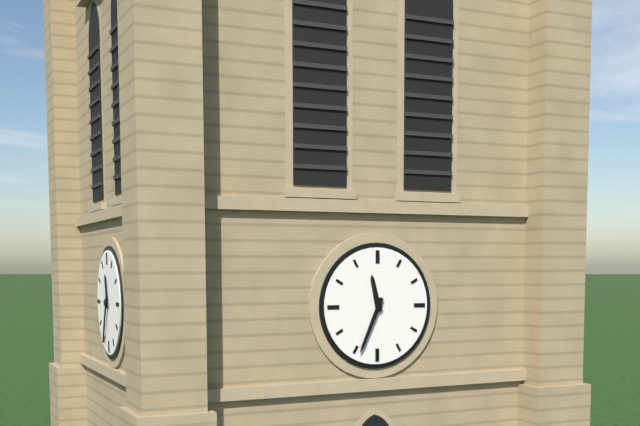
11:34
